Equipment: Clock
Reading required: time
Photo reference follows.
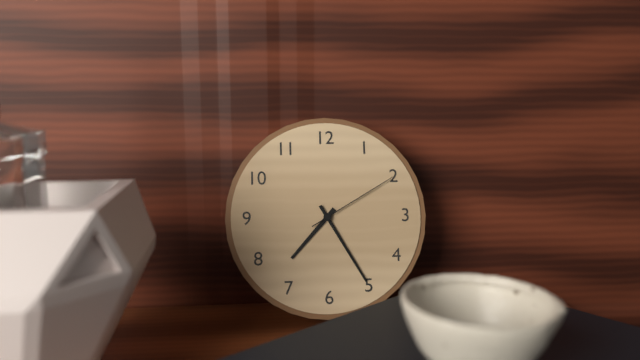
7:25:10
